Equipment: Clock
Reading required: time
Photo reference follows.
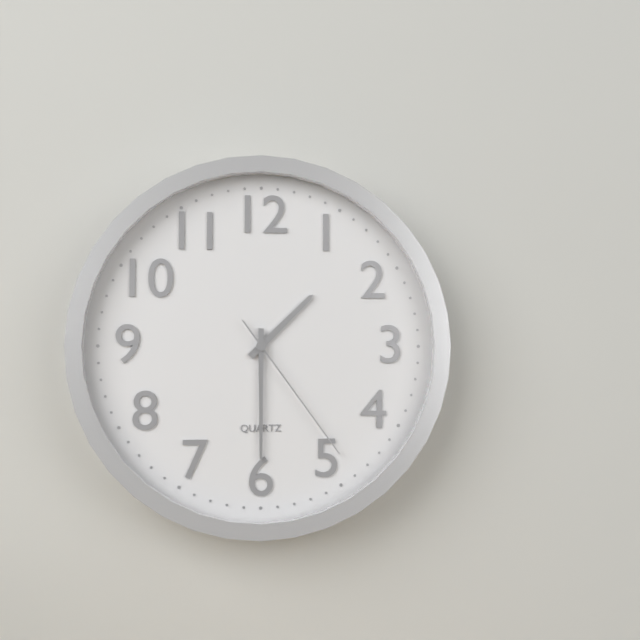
1:30:24
